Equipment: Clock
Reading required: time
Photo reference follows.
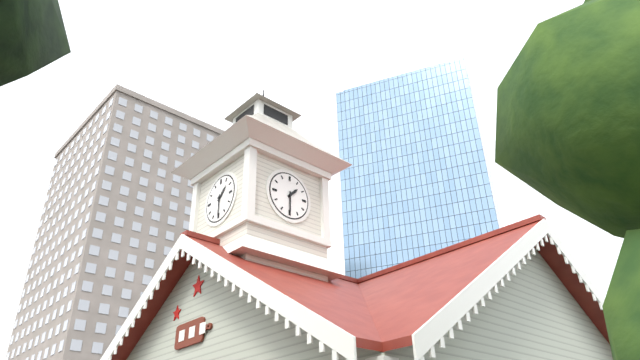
1:30
